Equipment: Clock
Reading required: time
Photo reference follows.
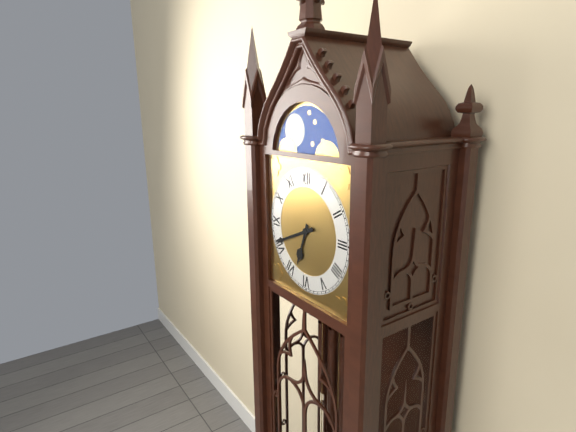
6:41
